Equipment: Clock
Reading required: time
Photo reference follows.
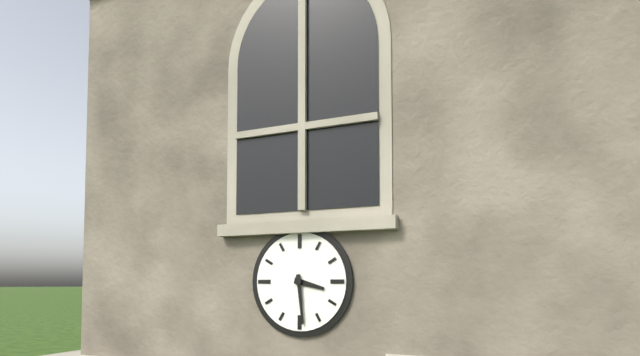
3:29
